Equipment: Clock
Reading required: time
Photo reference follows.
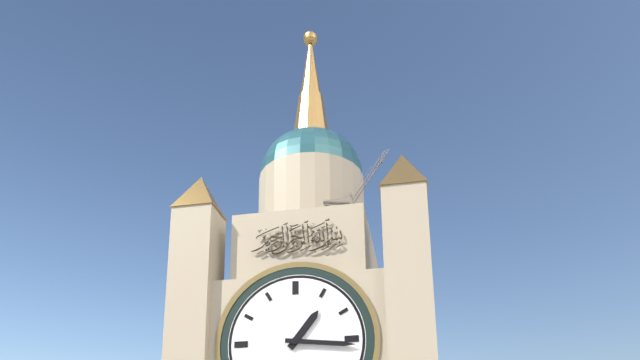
1:16
